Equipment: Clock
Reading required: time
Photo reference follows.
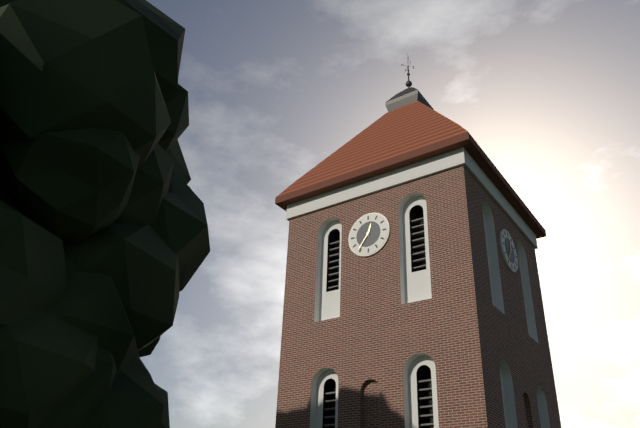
12:36
